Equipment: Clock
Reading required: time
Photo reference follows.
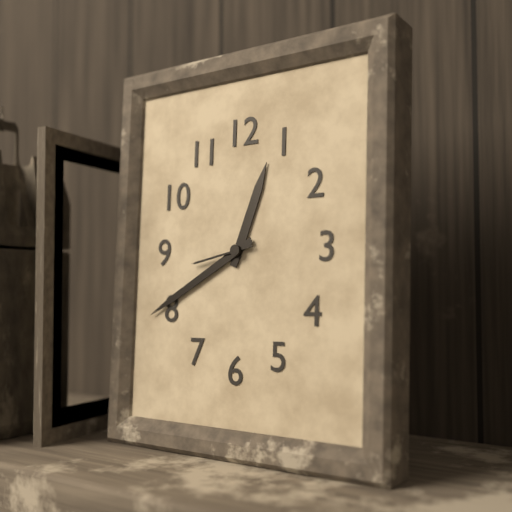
12:40:43
